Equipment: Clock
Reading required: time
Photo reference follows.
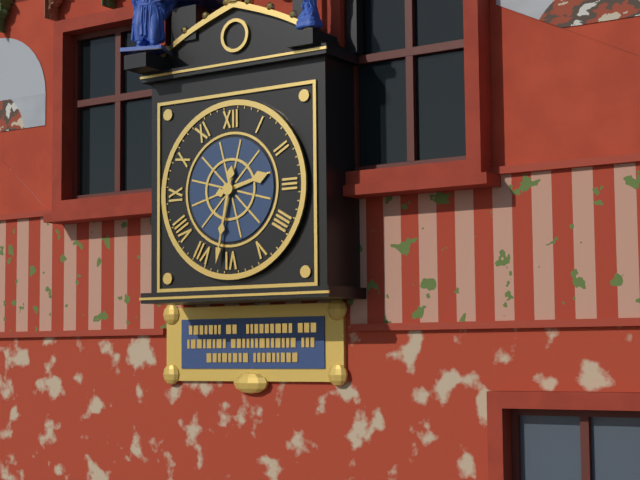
2:32
